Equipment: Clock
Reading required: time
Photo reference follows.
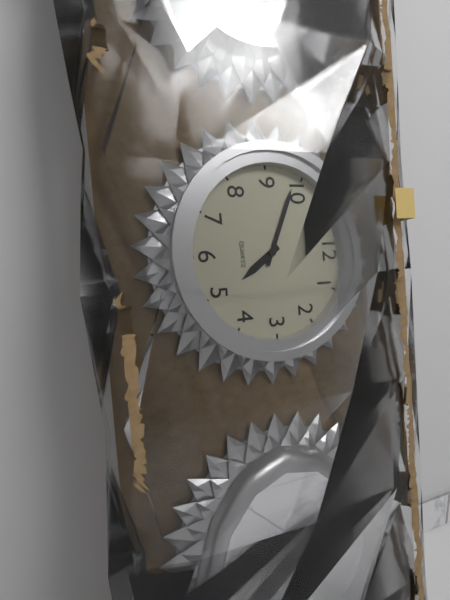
4:49
